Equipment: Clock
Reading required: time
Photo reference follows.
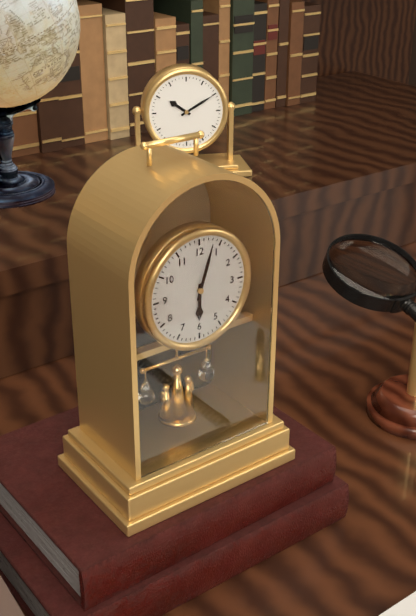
6:03
